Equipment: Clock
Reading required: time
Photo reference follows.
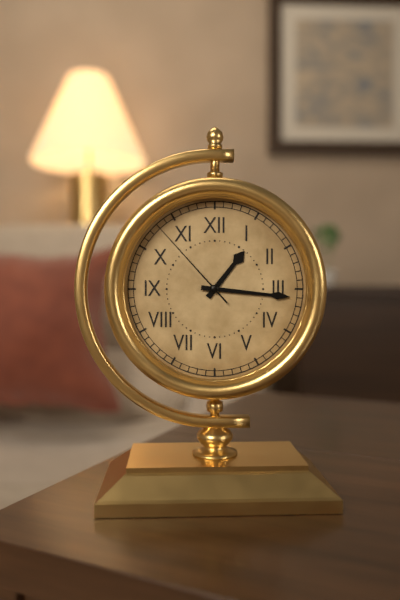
1:16:53
